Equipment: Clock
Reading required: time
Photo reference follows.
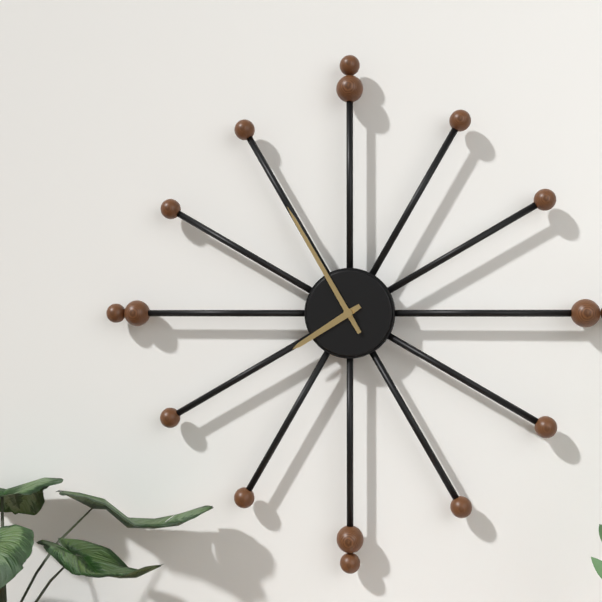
7:55
